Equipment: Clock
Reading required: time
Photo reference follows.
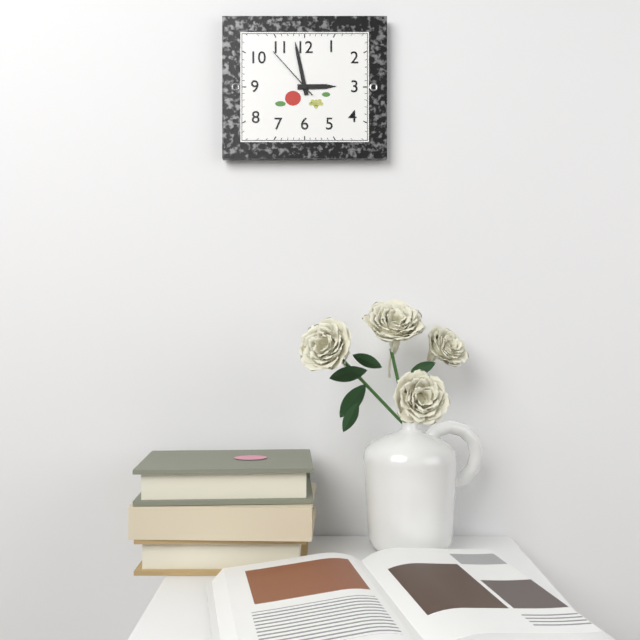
2:58:53
